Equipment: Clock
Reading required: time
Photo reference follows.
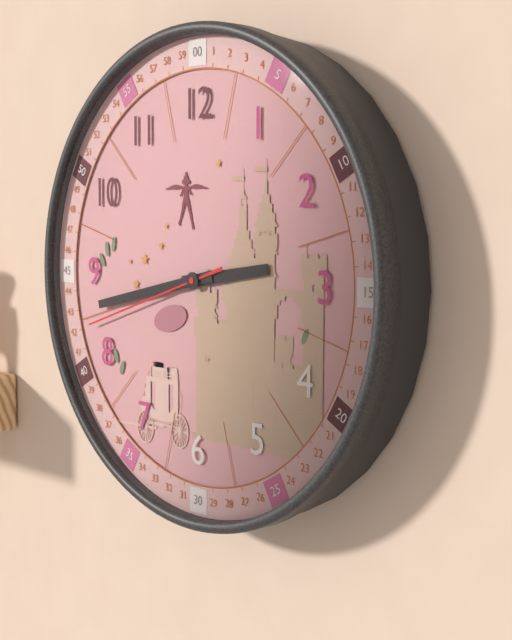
2:43:42
